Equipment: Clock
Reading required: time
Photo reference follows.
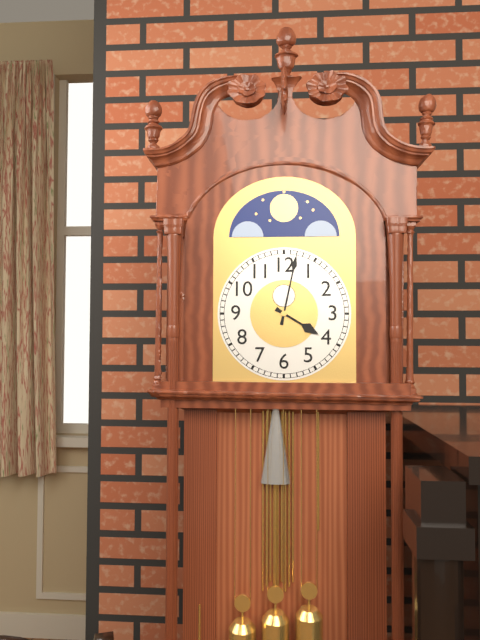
4:02
